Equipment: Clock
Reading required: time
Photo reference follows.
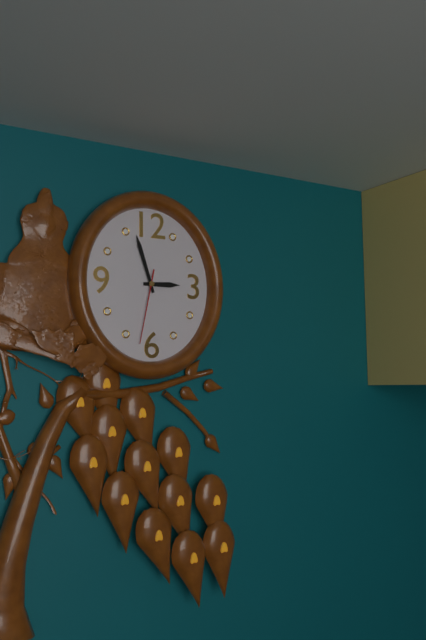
2:57:32
